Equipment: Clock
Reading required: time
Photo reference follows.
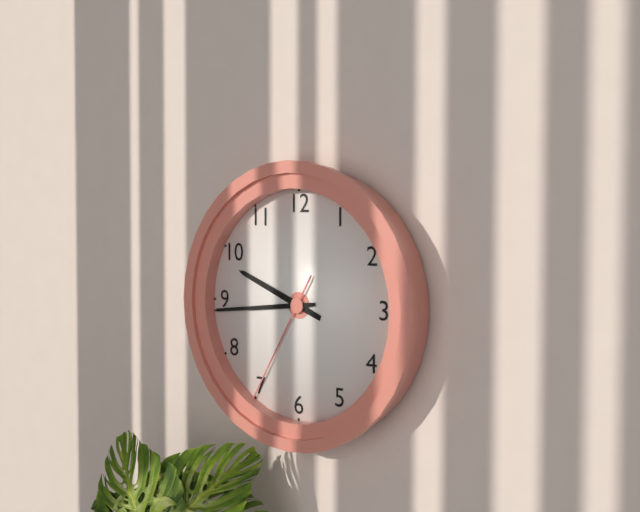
9:44:35
